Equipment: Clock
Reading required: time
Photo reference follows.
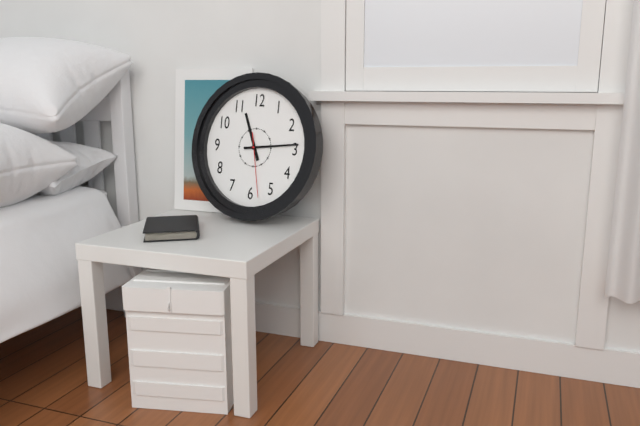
11:14:28
